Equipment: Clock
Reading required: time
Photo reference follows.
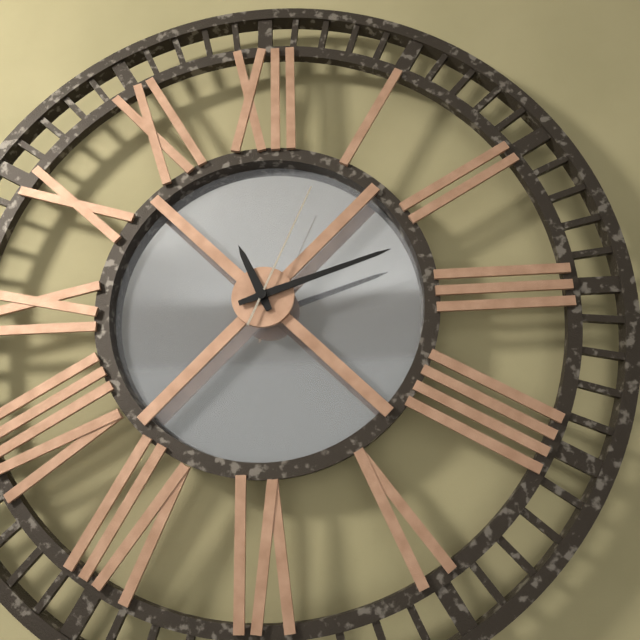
11:12:04
